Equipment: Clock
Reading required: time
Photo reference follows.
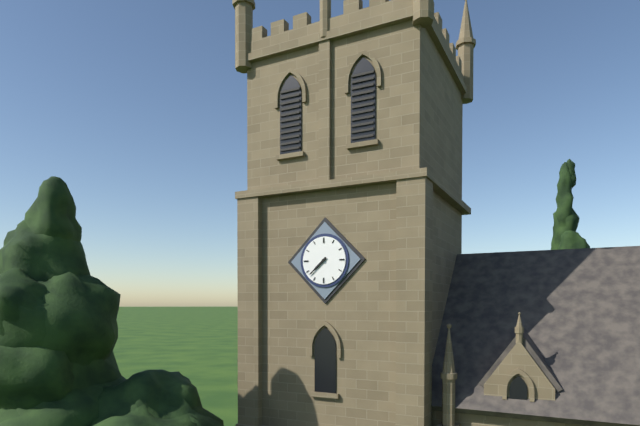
7:38
